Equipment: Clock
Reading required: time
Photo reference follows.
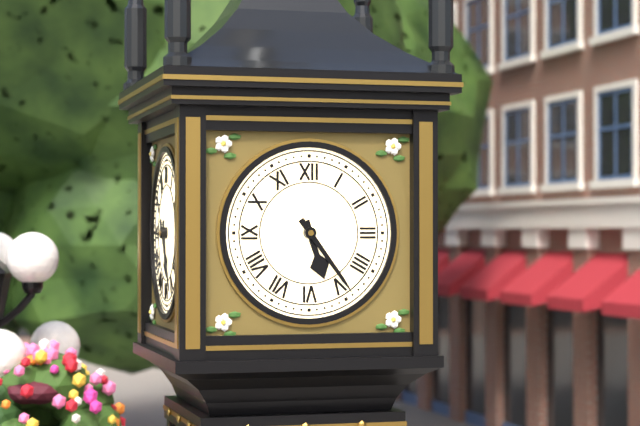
5:24
